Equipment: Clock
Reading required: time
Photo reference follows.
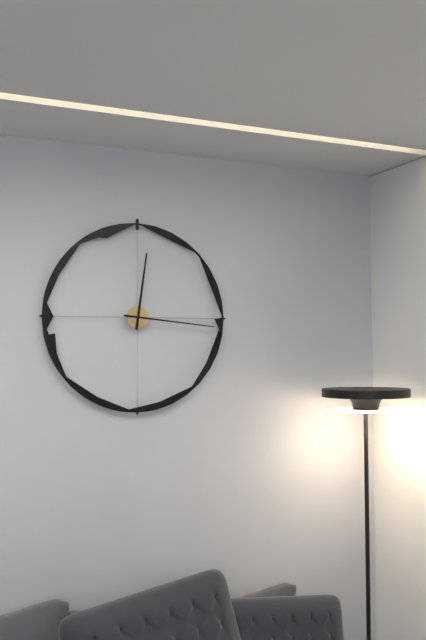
12:16
